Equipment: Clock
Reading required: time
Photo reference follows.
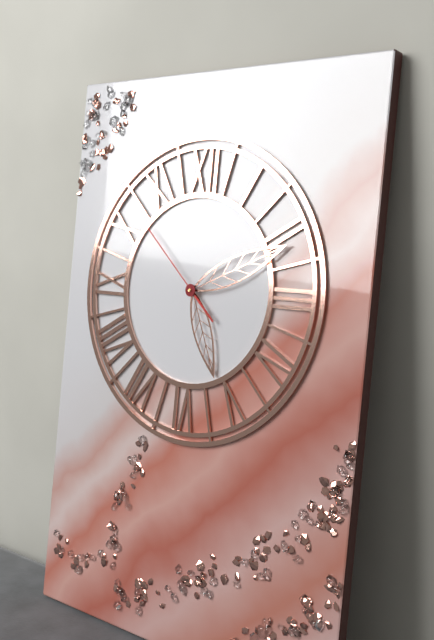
5:11:52
